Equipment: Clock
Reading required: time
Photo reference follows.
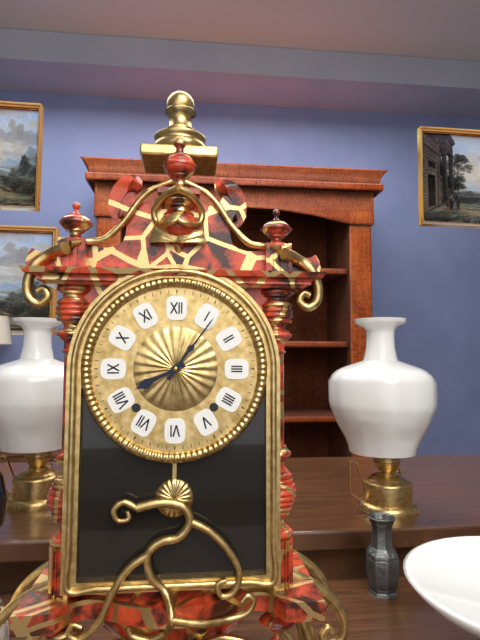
8:06
